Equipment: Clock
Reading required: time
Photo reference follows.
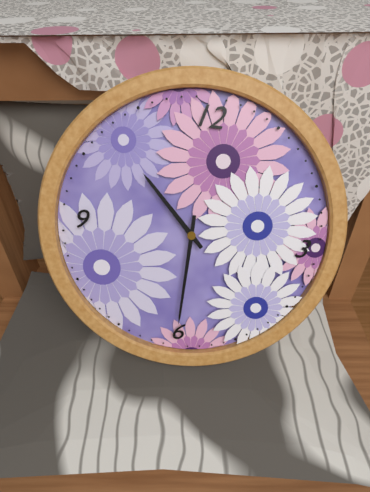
10:30
